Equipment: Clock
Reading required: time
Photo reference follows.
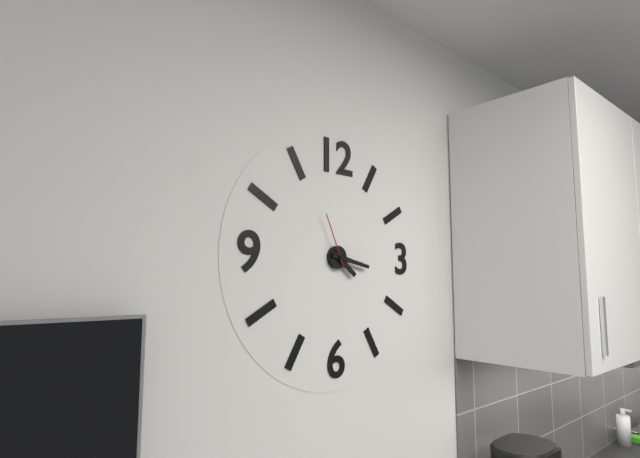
4:17:56
